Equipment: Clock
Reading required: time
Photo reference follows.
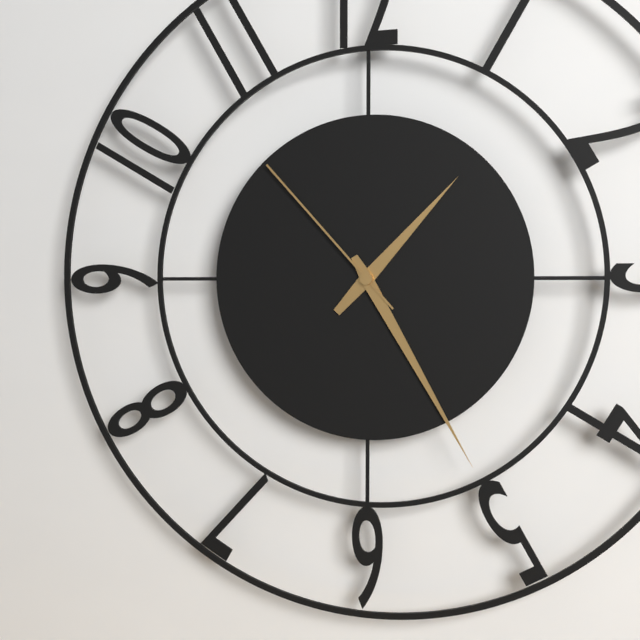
1:25:53
